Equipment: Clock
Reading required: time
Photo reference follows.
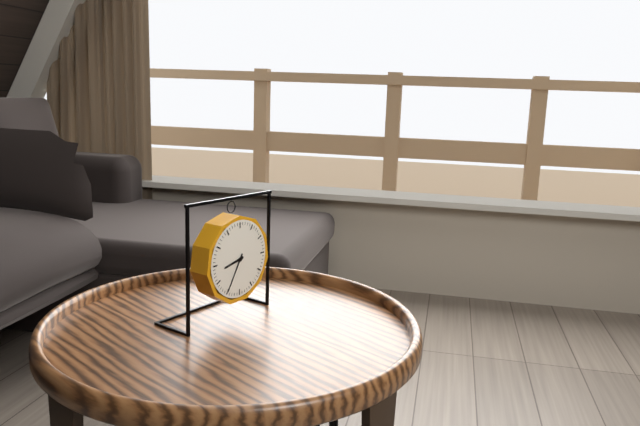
8:35
